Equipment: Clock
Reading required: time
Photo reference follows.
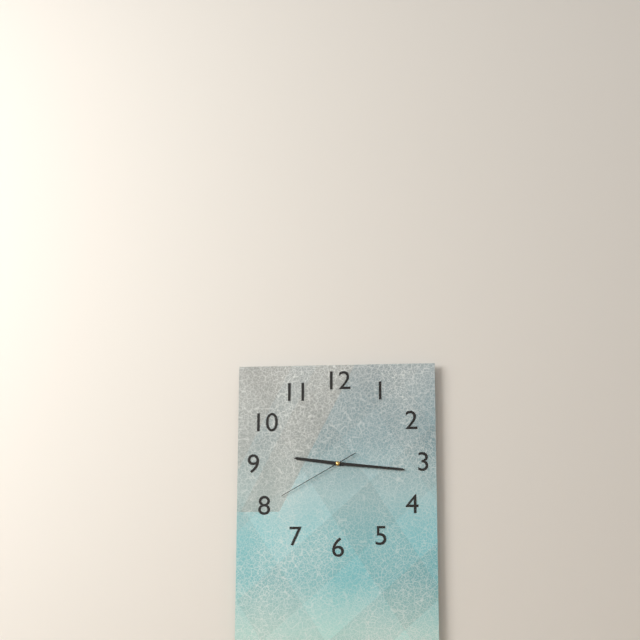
9:16:40
